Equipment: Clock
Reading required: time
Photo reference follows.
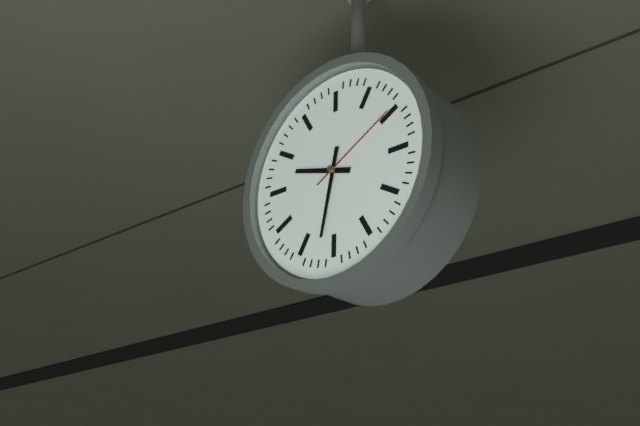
9:32:10
